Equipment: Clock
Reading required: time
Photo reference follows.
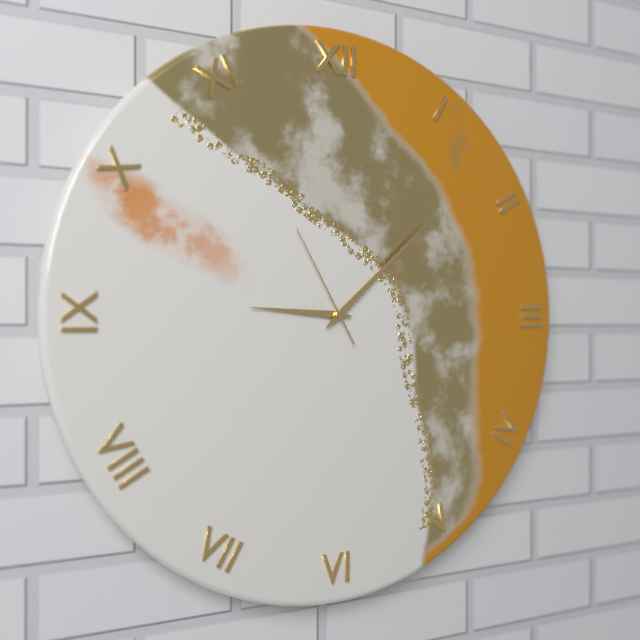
9:08:55
